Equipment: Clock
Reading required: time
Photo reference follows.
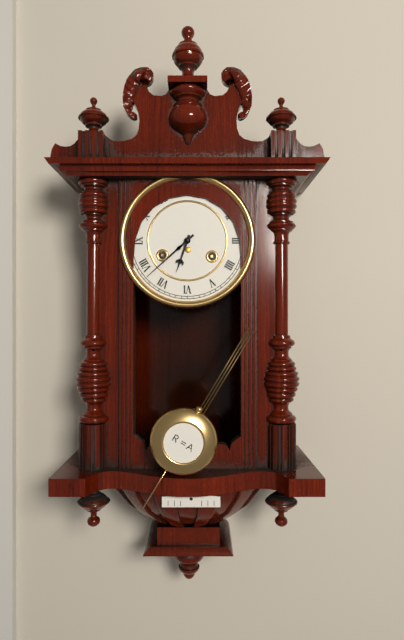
6:38
